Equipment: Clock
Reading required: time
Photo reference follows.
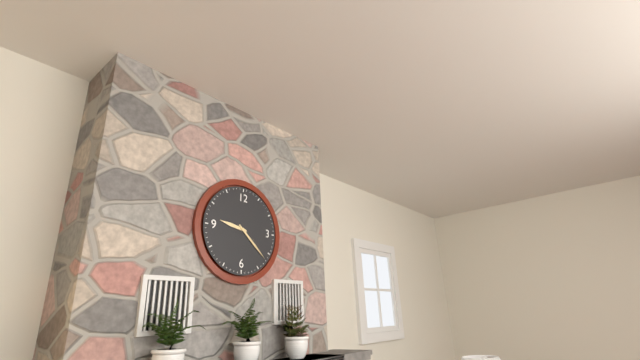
9:22
